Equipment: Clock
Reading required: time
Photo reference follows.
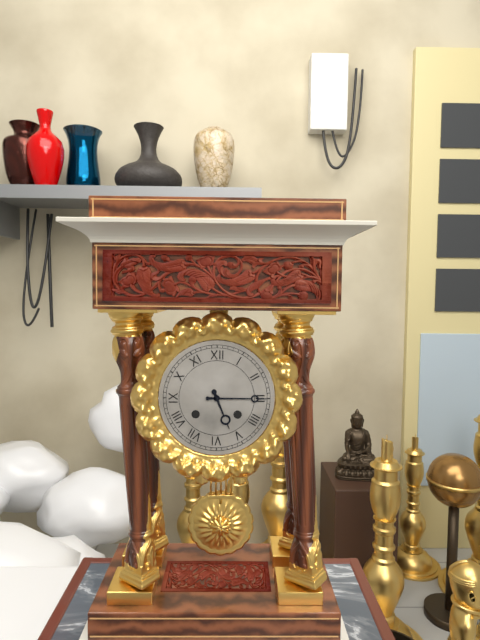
5:15
